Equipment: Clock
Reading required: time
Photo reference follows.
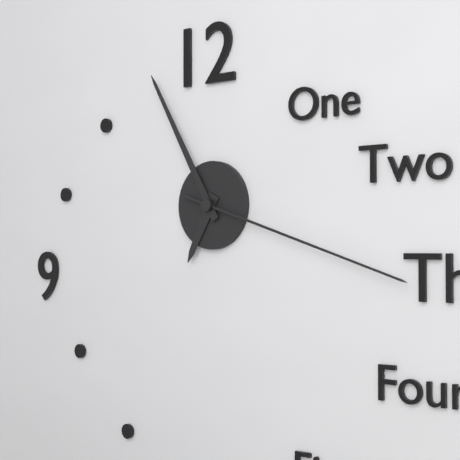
6:55:18
